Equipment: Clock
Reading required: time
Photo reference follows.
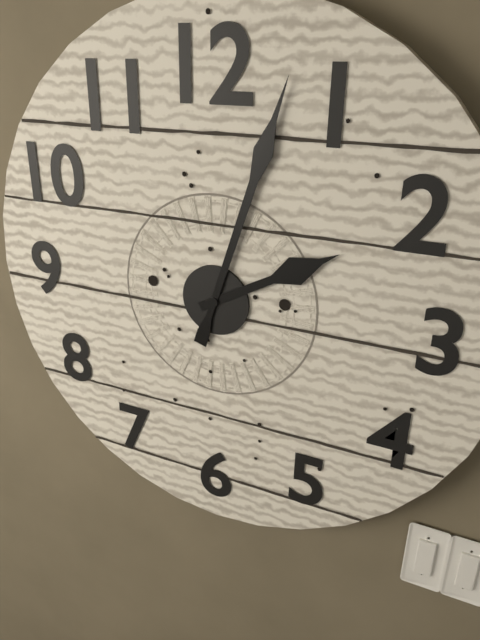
2:03
